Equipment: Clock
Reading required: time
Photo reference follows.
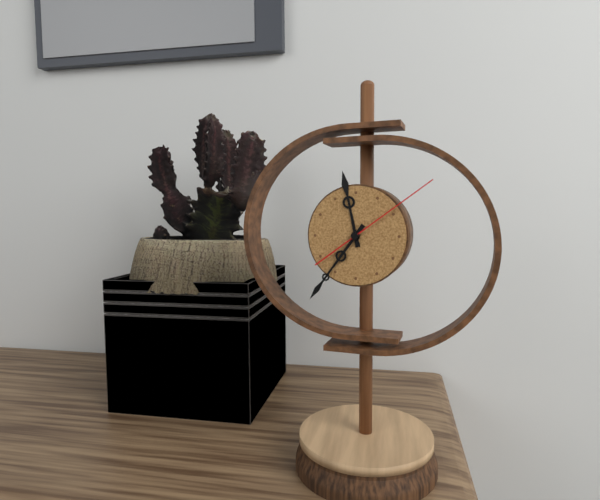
11:36:09
